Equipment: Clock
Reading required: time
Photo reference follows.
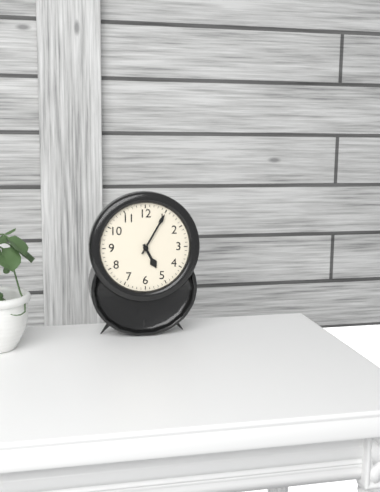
5:05
